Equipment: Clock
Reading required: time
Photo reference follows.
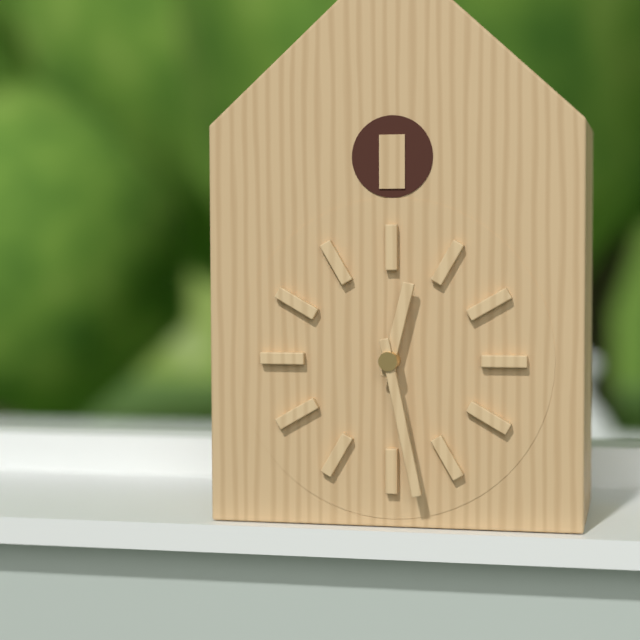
12:28
